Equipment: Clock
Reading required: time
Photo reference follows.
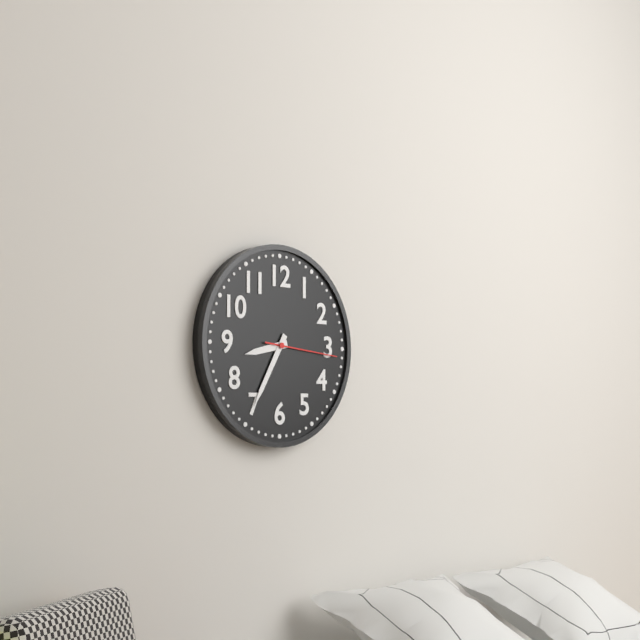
8:35:16
